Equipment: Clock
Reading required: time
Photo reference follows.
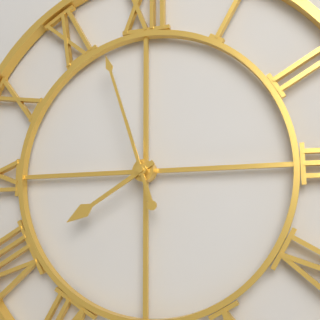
7:57
